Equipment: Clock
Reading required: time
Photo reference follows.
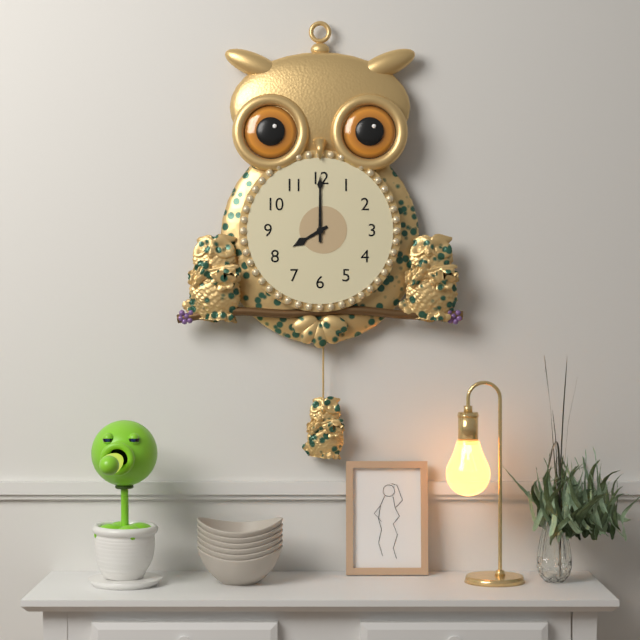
8:00
